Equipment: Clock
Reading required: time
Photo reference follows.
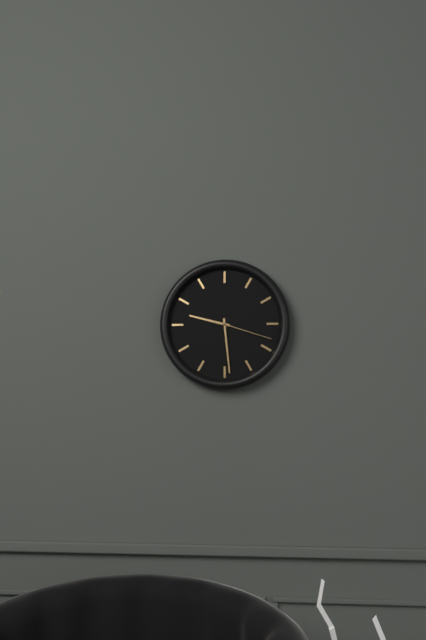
9:29:18
